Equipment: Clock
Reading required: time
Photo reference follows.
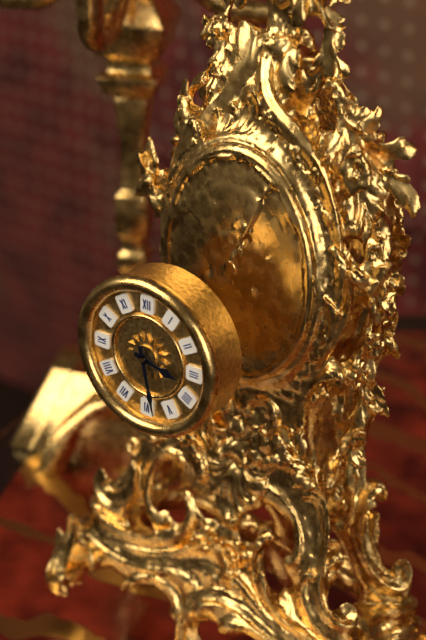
3:28
